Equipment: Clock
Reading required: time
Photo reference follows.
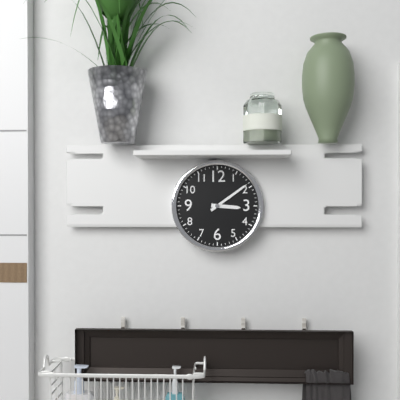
3:09
